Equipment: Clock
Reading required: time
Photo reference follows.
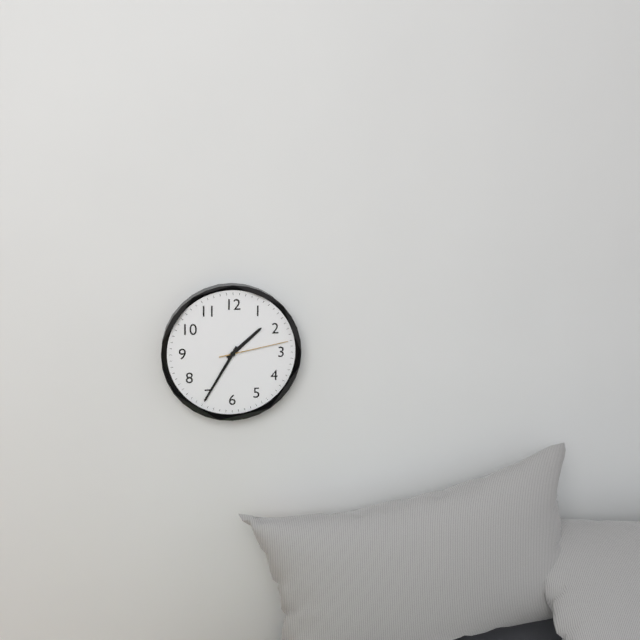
1:35:13
